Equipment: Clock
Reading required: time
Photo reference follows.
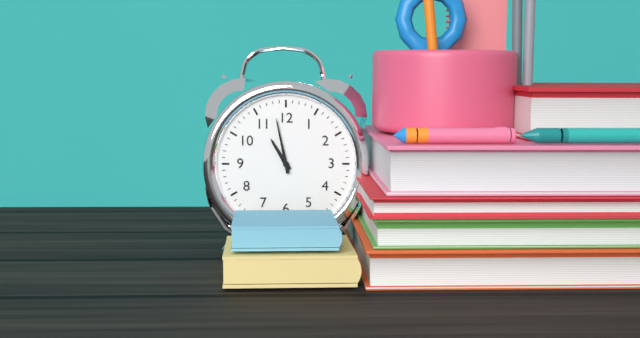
10:58
